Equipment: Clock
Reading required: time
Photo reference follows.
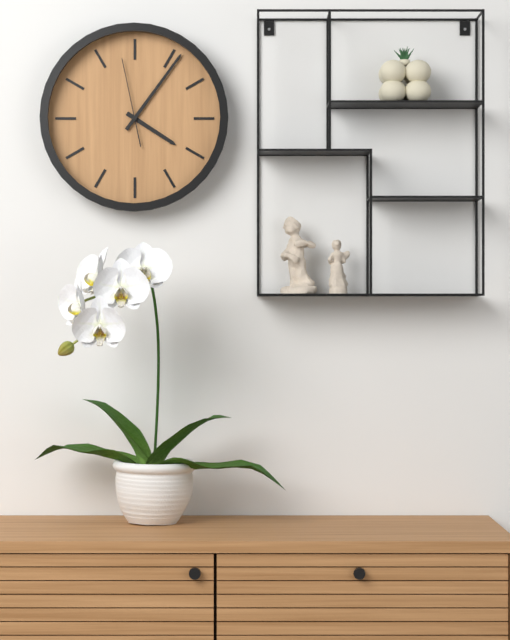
4:06:58
